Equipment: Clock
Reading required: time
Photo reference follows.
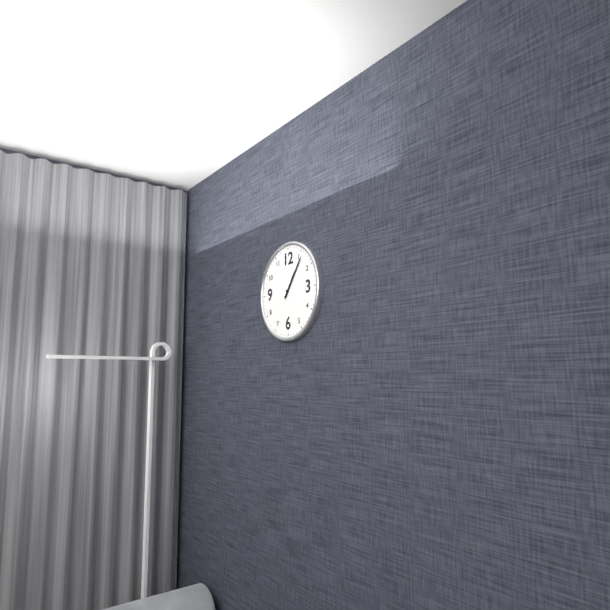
1:06
